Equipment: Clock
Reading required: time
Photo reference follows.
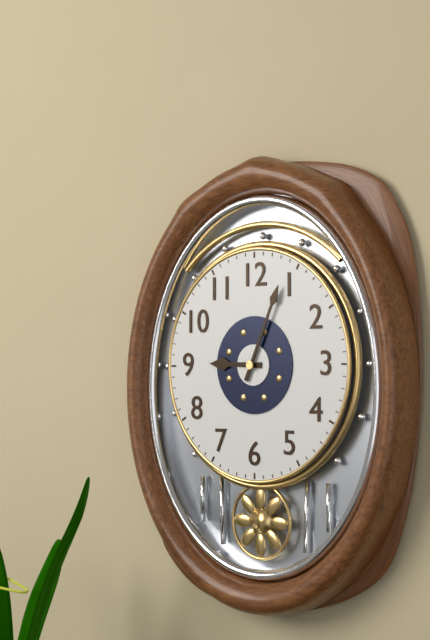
9:04
